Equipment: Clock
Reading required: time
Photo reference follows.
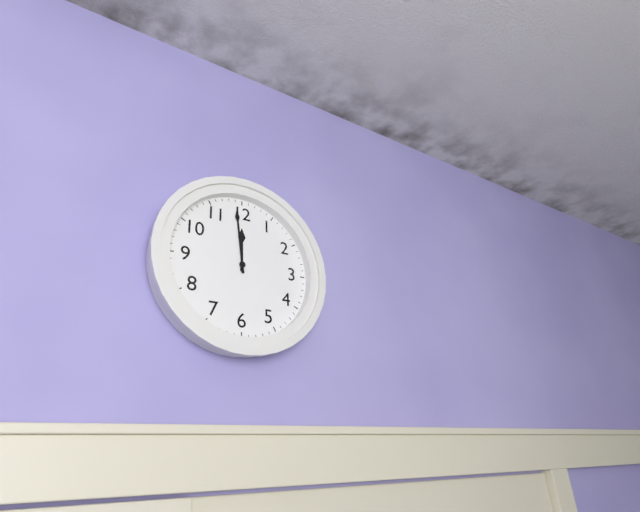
11:59
